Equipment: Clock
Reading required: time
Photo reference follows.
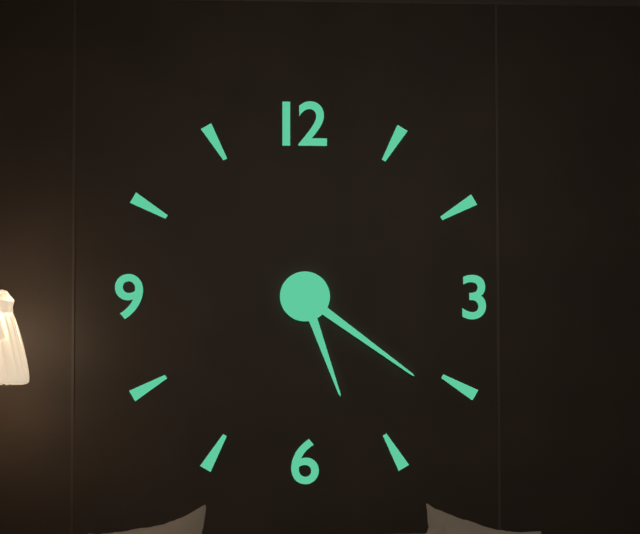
5:21
